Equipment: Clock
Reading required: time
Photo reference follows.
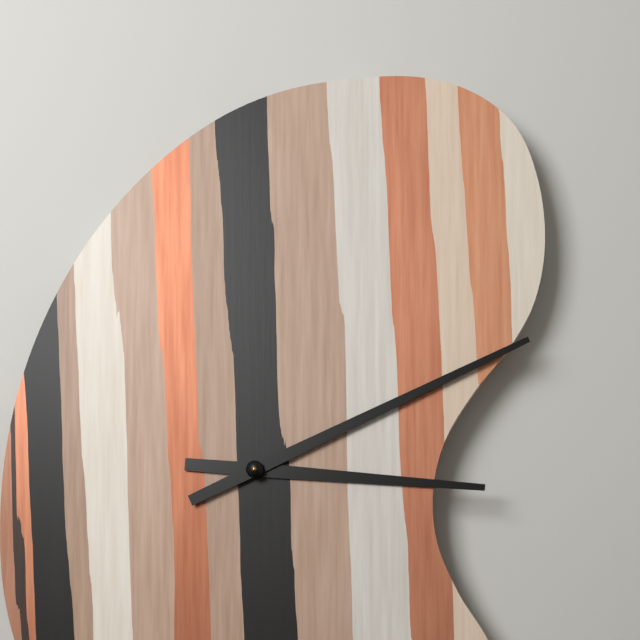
3:11
